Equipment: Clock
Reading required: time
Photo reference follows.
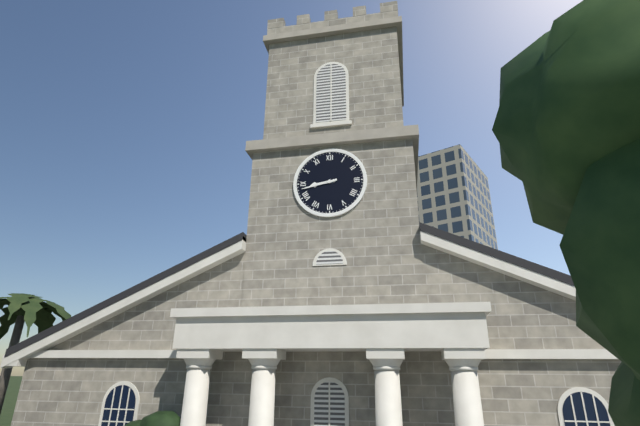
8:43
